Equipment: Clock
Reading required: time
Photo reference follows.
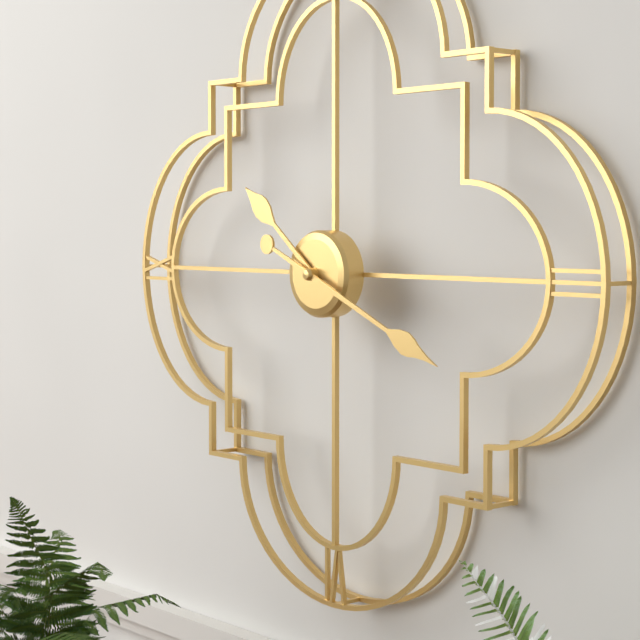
10:19
